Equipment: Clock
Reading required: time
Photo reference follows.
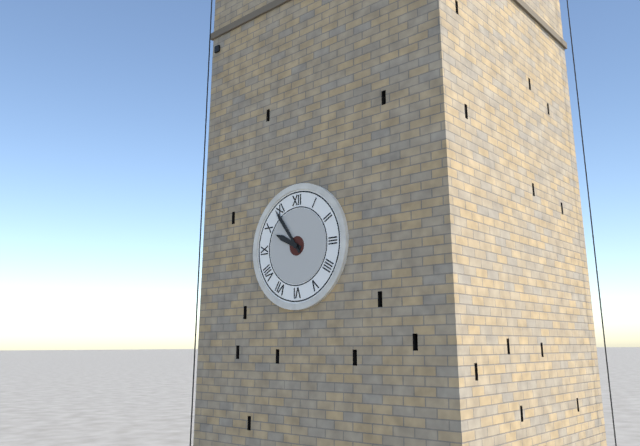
9:54
